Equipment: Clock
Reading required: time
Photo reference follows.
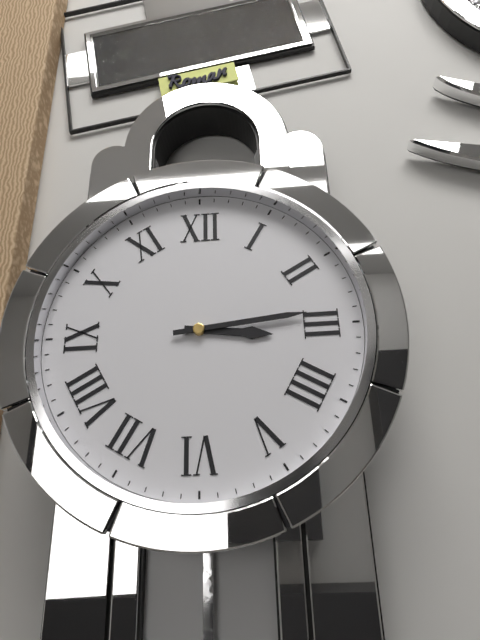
3:14
